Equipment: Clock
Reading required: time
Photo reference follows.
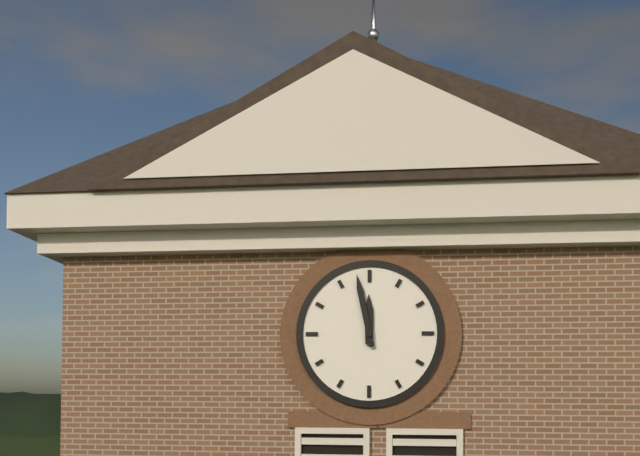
11:58
